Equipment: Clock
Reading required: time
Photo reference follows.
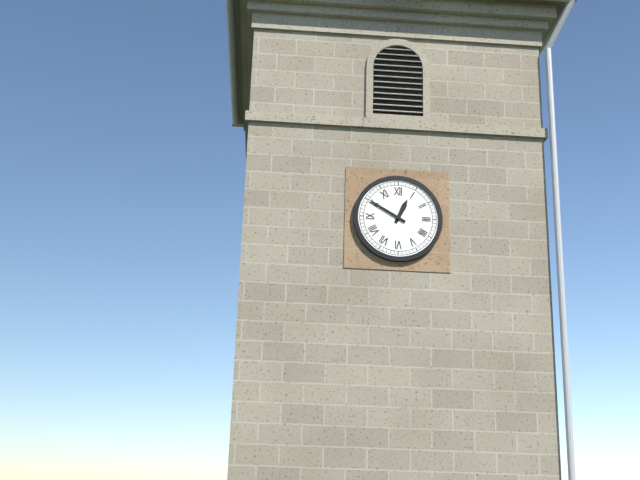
12:50
